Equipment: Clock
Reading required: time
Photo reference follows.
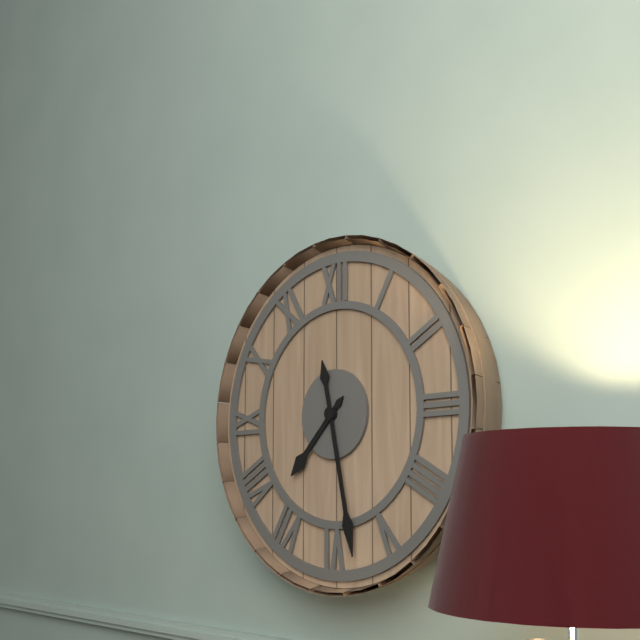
7:28
